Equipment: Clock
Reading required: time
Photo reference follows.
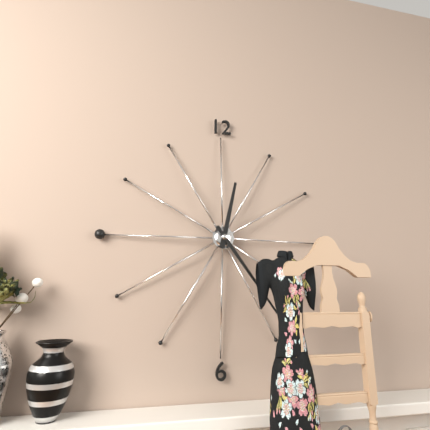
12:24
